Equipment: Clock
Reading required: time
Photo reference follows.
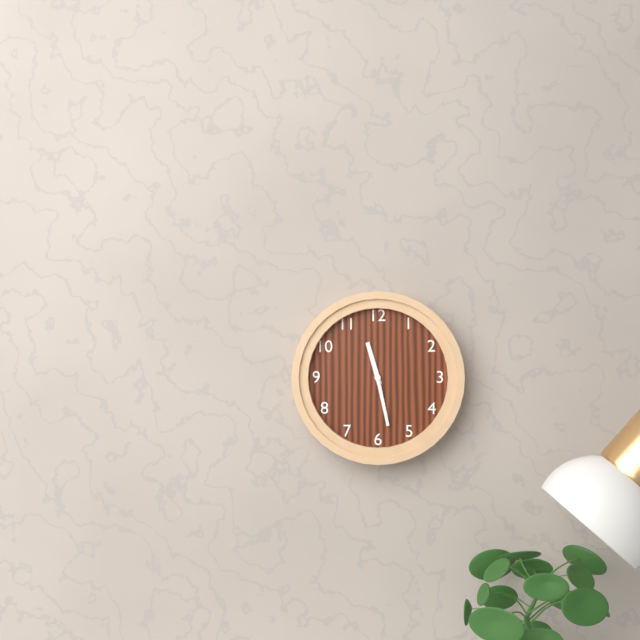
11:28
